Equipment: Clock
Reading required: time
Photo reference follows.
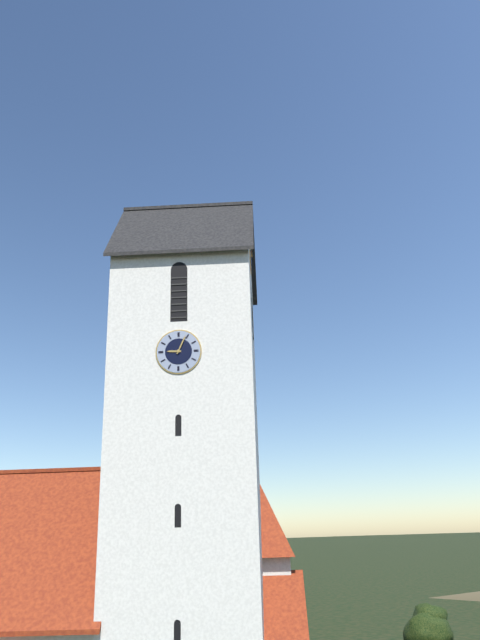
9:04
